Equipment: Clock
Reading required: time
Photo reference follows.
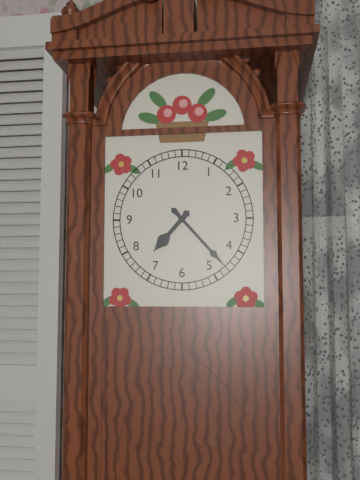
7:23
